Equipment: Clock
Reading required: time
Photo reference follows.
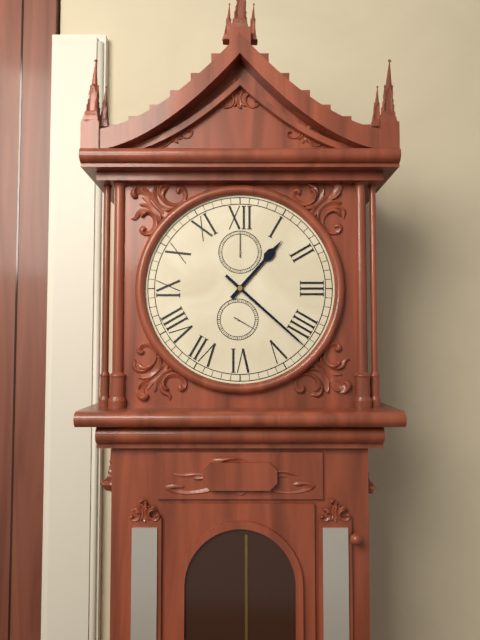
1:22
